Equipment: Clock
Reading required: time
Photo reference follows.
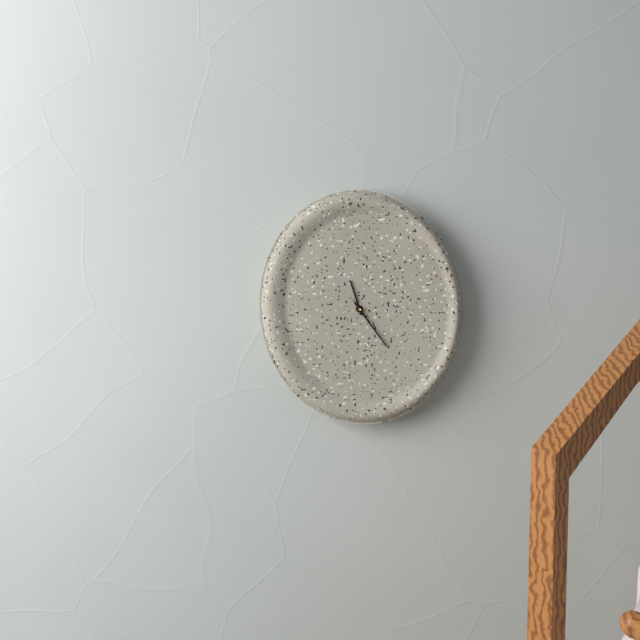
11:24
